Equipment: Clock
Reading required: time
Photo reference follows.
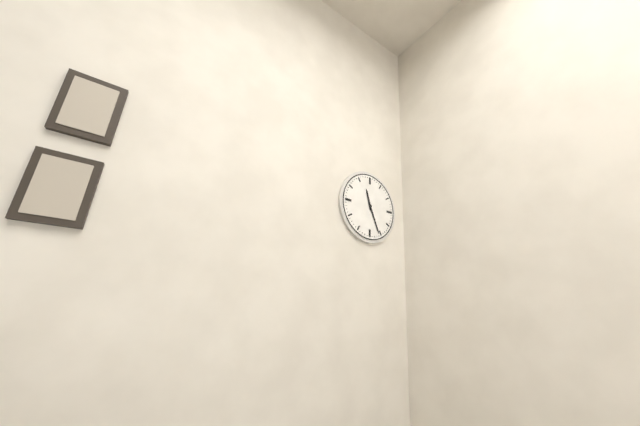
11:26
